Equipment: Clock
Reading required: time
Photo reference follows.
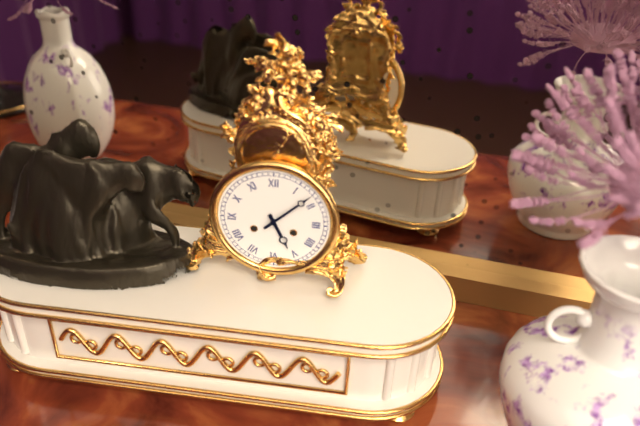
5:08
